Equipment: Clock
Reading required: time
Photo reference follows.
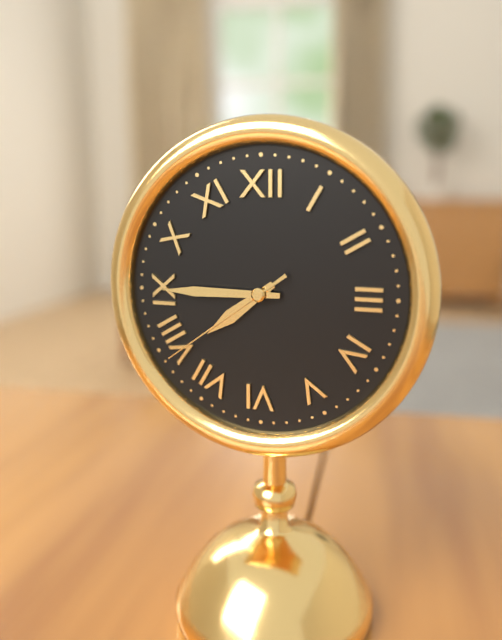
7:45:39
